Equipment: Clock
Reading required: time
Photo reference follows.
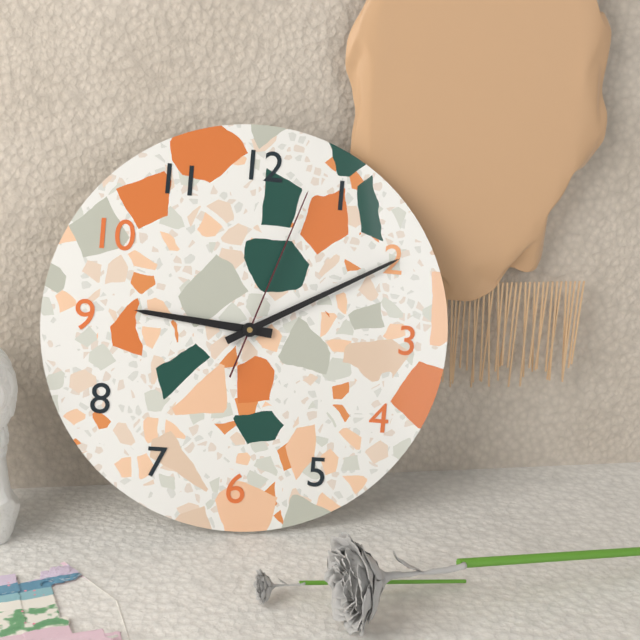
9:10:03
